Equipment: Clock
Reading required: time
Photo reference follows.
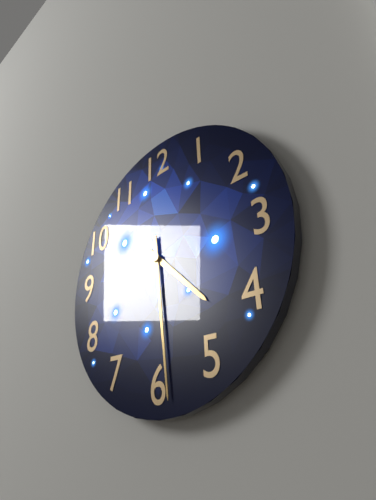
4:29
